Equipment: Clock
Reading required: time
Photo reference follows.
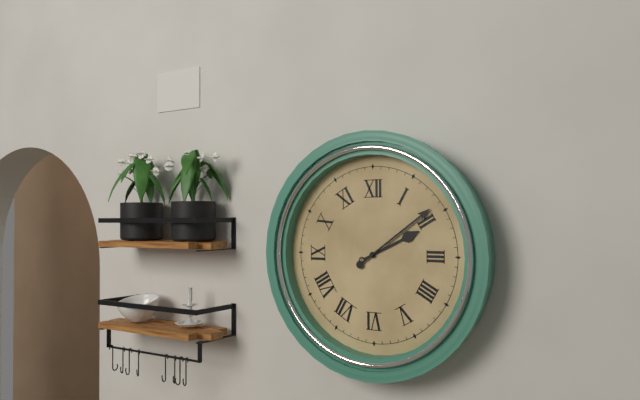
2:09
